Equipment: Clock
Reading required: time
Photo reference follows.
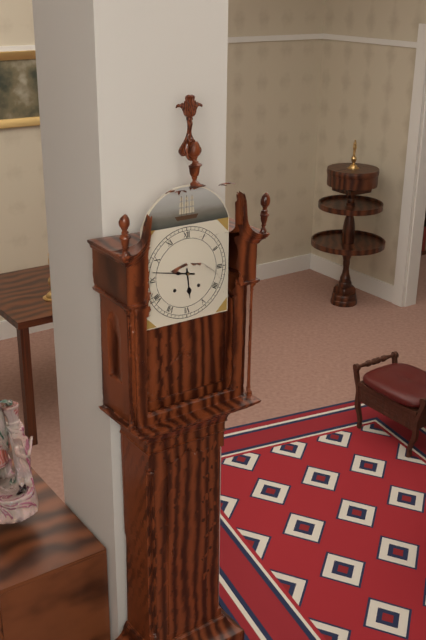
5:47
